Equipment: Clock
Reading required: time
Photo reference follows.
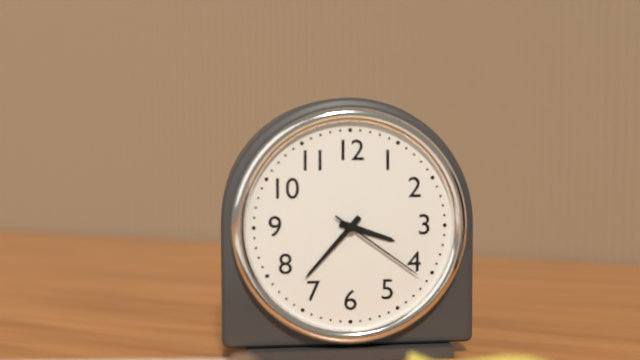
3:37:21
